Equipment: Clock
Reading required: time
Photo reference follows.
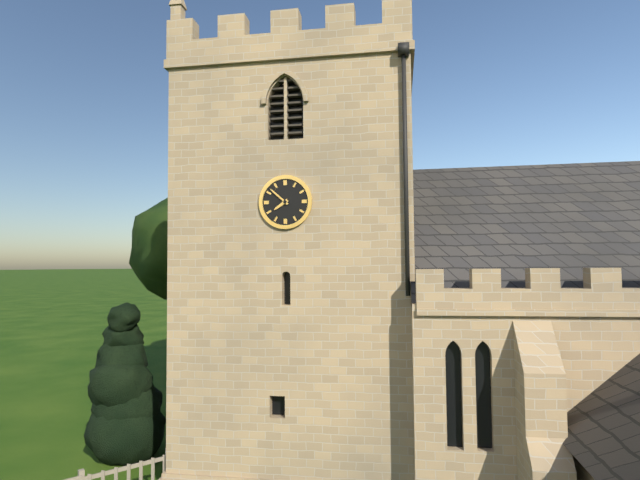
7:52
